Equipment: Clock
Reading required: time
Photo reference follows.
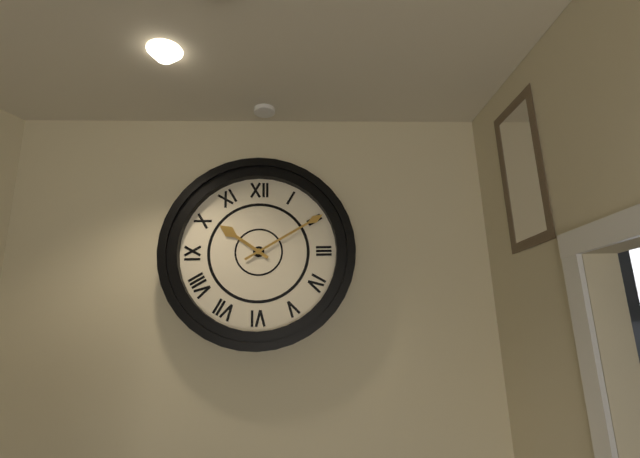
10:10
